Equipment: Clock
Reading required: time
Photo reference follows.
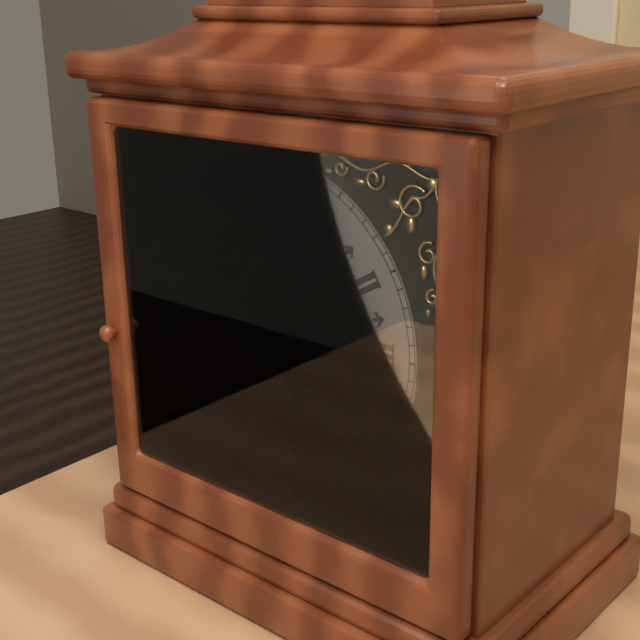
1:04
